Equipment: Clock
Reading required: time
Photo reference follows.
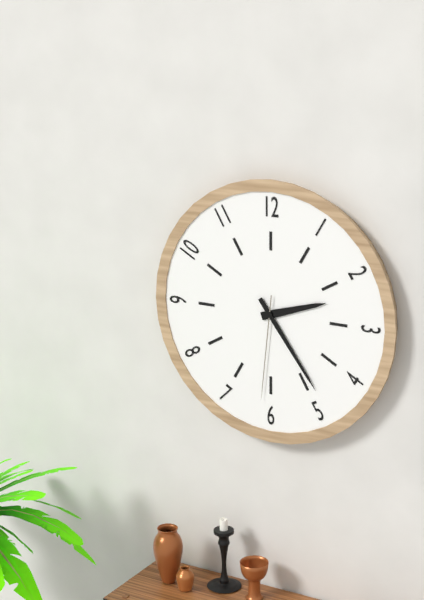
2:24:31
